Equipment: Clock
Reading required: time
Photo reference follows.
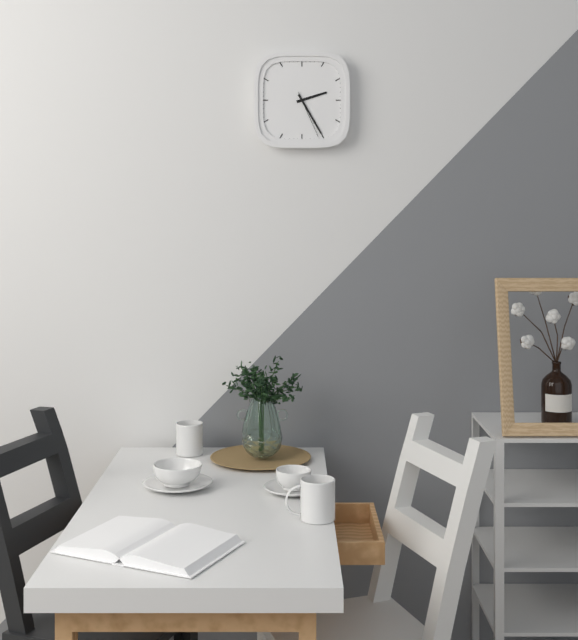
2:25:26
